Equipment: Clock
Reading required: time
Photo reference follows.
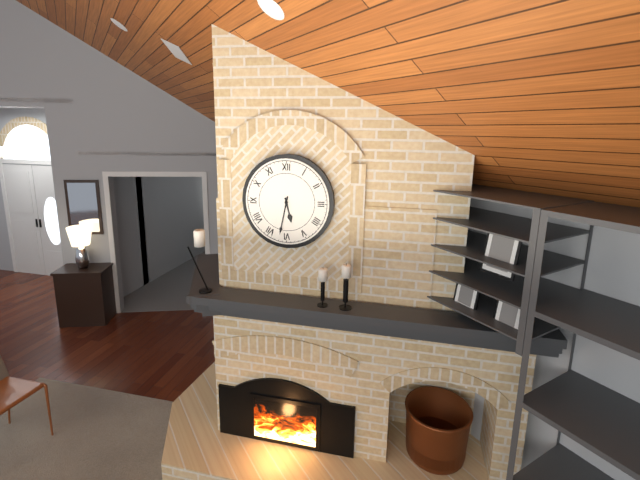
5:32
